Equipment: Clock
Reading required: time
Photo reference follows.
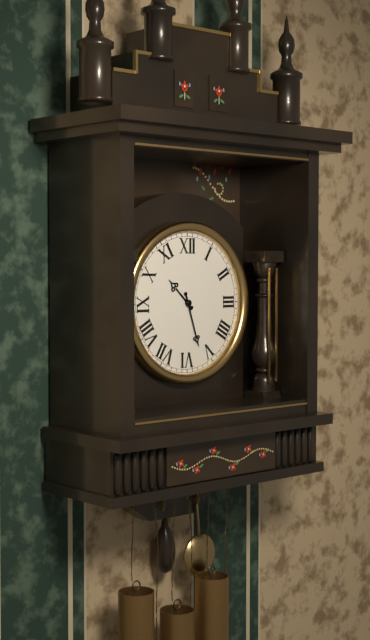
10:27
